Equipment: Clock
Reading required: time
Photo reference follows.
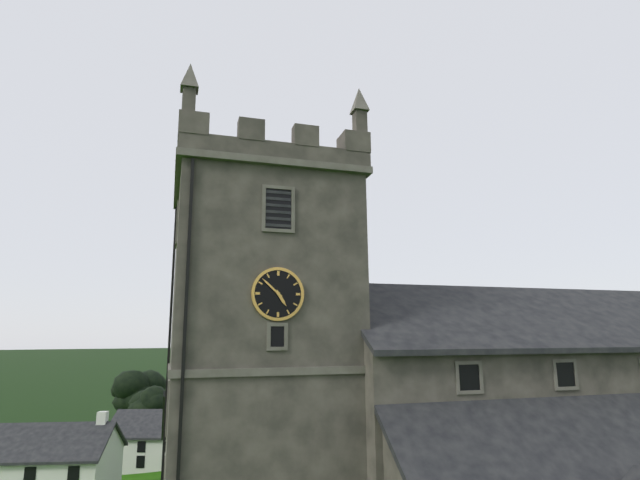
4:52
